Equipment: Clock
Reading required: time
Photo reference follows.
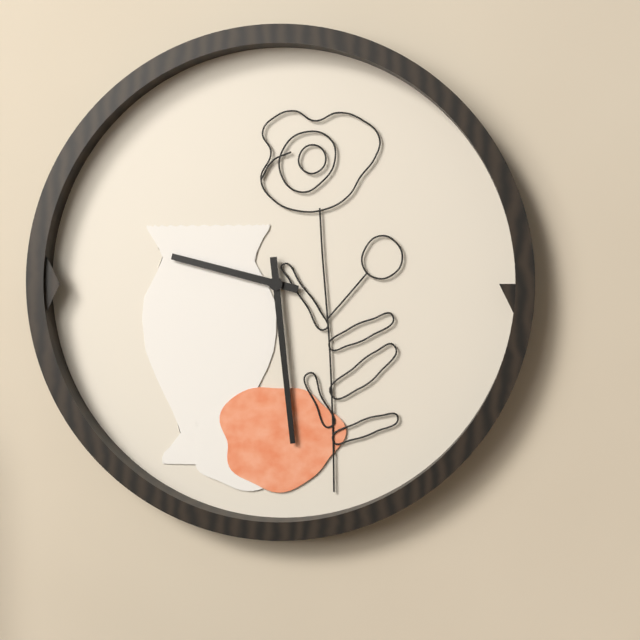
9:29
